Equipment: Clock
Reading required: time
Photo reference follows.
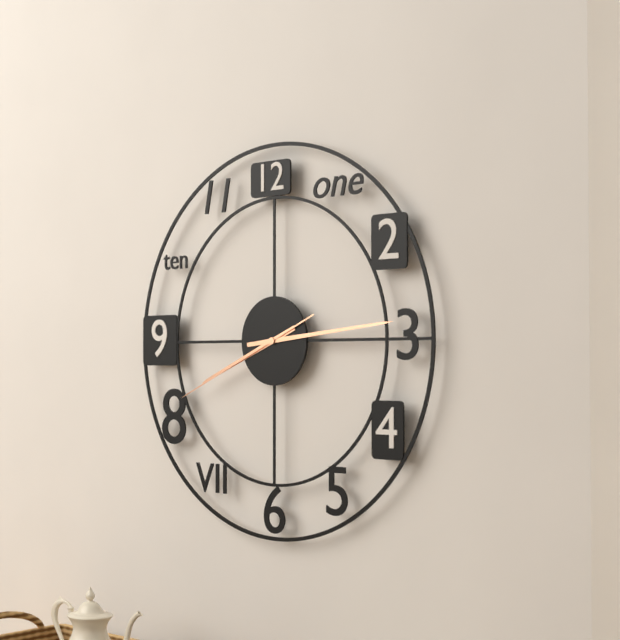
8:14:41
